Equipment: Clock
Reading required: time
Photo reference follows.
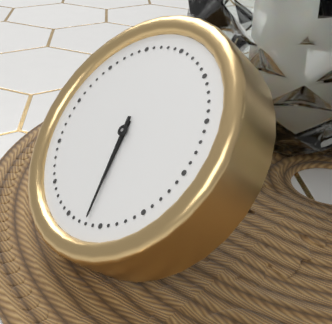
5:27
